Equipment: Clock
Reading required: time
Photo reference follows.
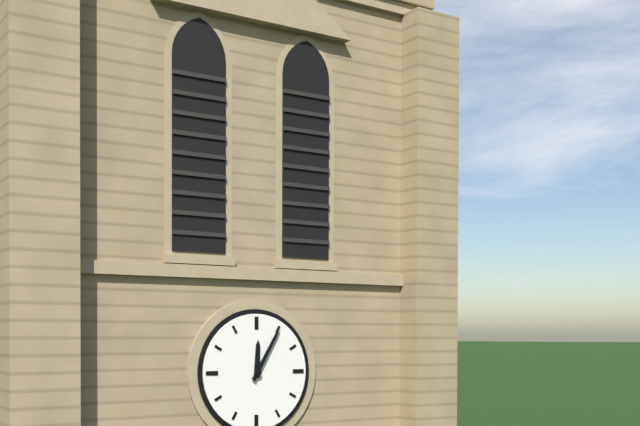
12:05
